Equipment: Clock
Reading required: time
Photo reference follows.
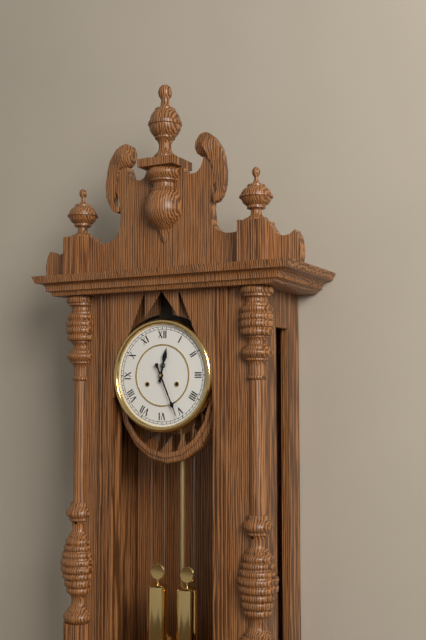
12:26
